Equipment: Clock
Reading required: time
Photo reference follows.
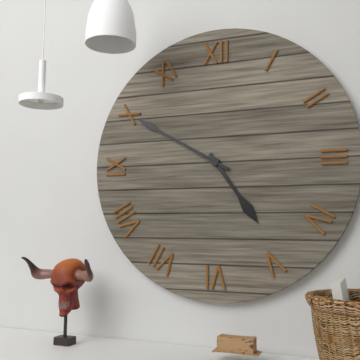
4:50
